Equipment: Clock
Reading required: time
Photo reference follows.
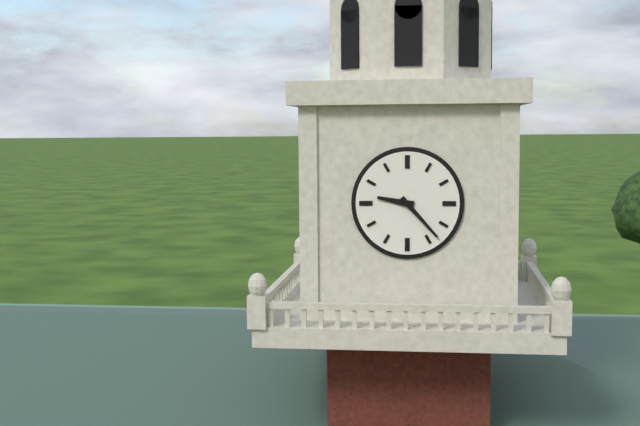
9:23
